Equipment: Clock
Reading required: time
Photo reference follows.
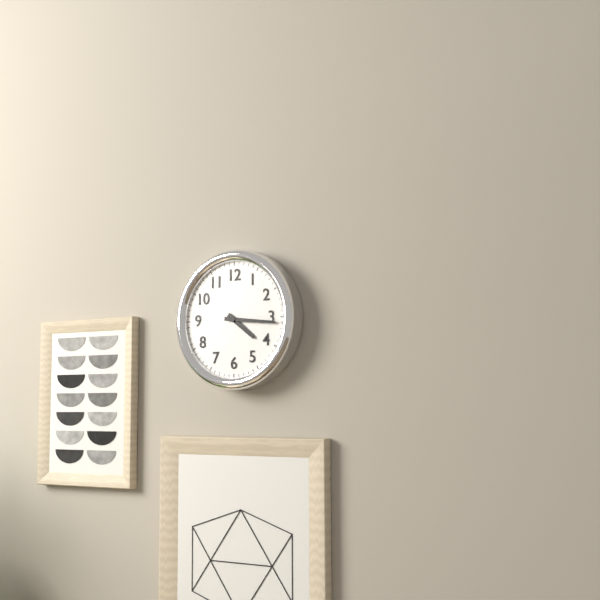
4:16
